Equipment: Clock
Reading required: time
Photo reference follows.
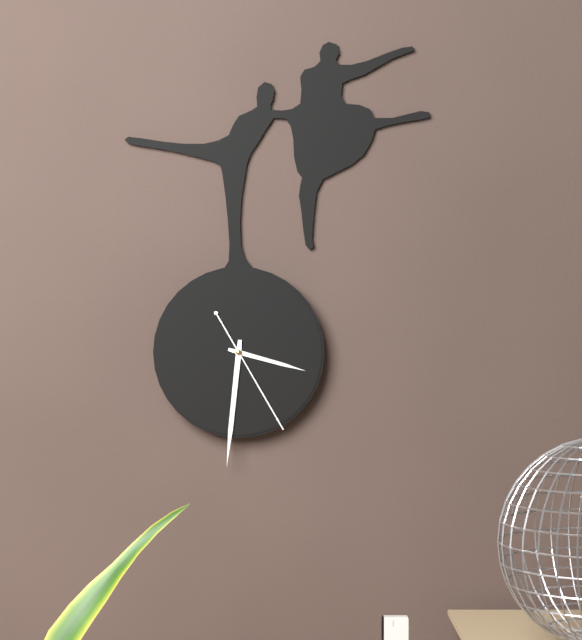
3:31:25
